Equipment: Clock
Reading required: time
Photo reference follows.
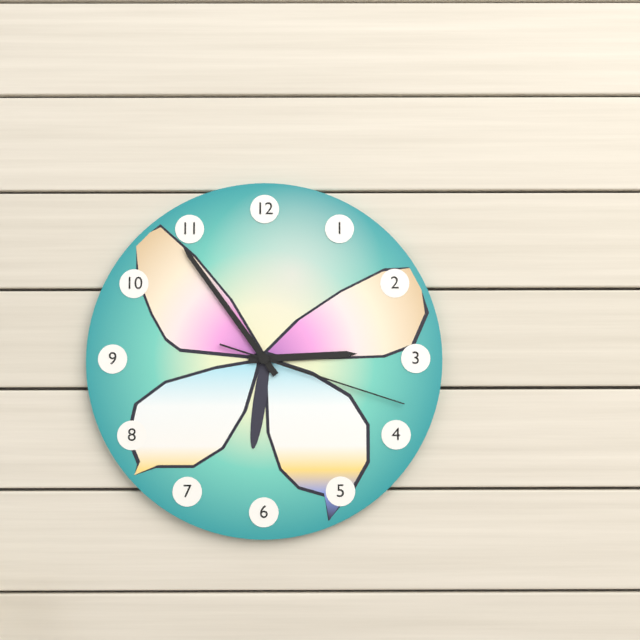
2:54:18
